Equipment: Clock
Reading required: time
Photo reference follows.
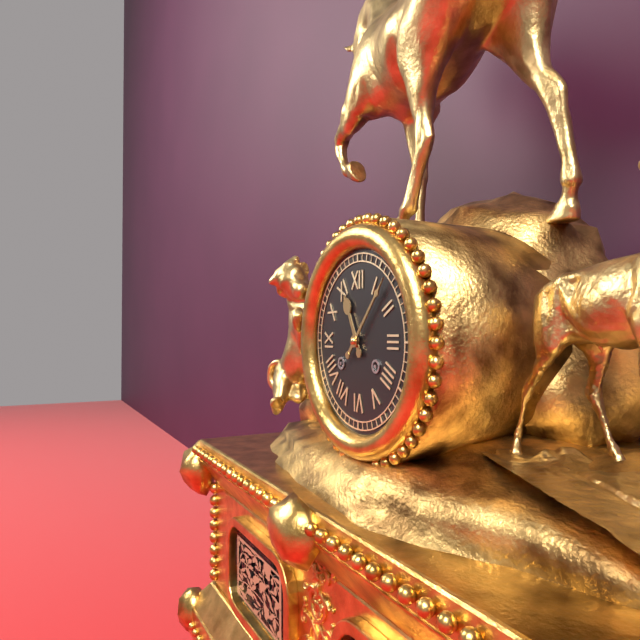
11:07
